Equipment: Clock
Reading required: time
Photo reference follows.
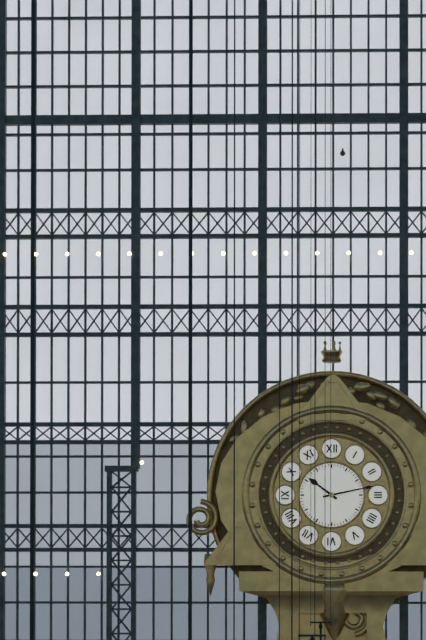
10:13
